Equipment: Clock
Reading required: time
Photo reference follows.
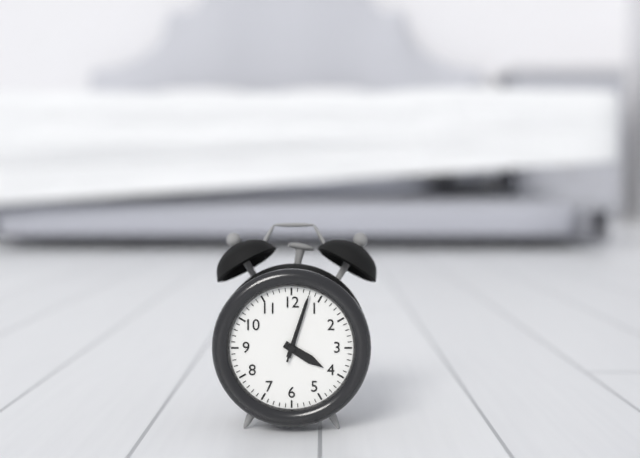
4:03:03
